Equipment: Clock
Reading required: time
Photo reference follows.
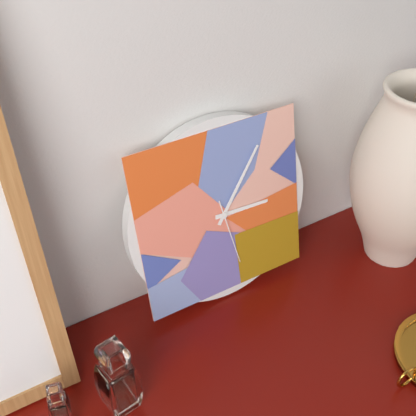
3:06:28
